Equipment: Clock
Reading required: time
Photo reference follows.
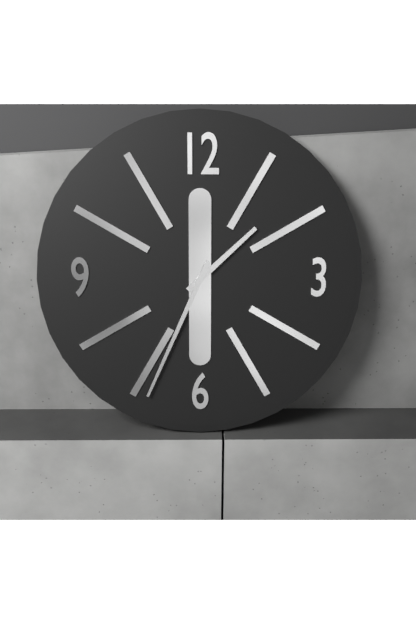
1:34
